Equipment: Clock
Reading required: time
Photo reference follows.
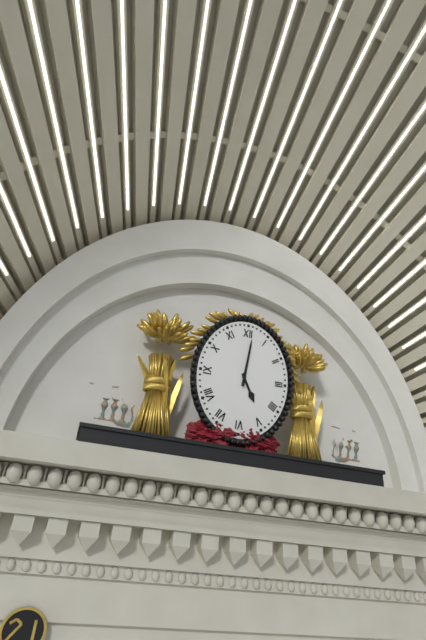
5:01
